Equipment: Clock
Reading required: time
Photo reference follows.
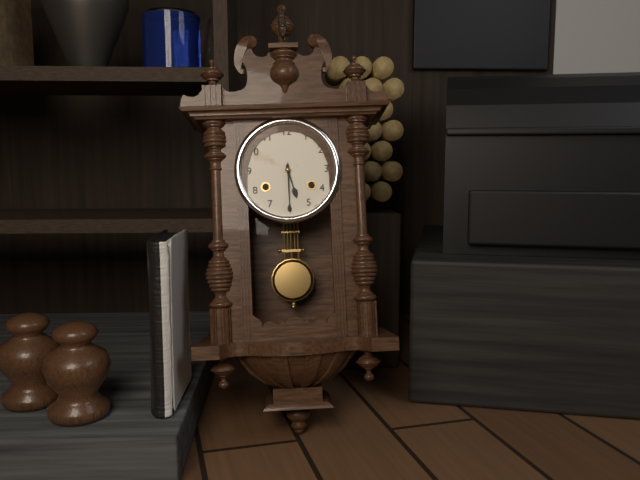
5:30
